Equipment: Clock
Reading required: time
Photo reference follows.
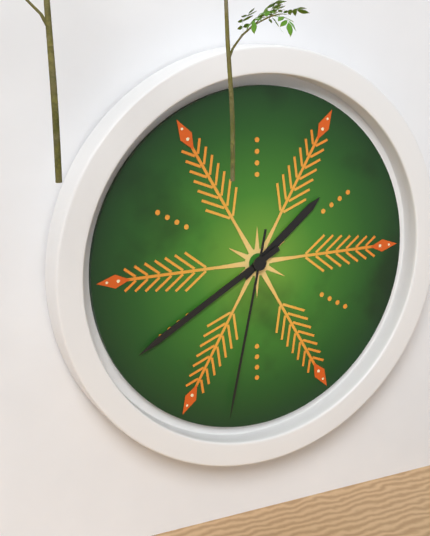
1:40:32
